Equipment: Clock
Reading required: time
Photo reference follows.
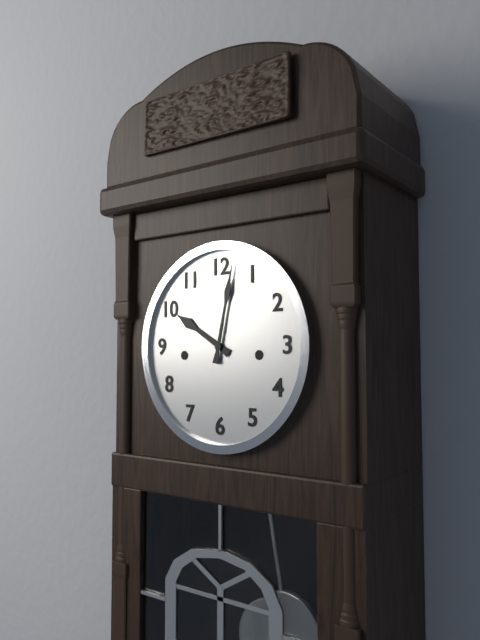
10:02
